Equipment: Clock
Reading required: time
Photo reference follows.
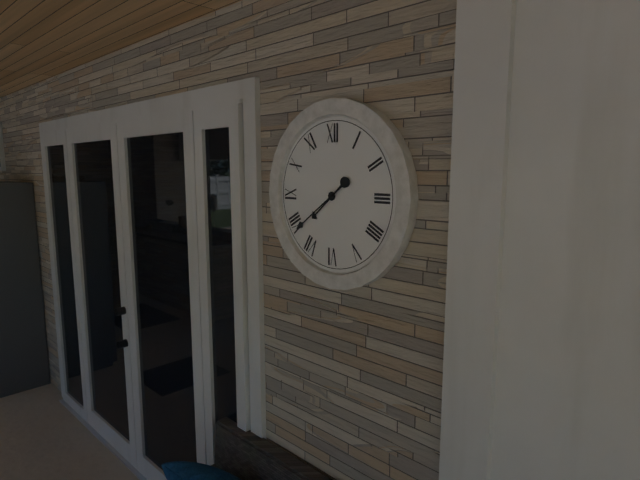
7:39
